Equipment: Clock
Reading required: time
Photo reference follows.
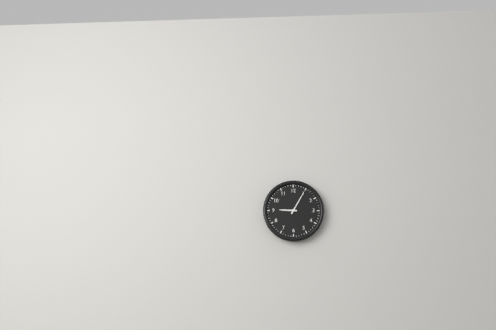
9:05
